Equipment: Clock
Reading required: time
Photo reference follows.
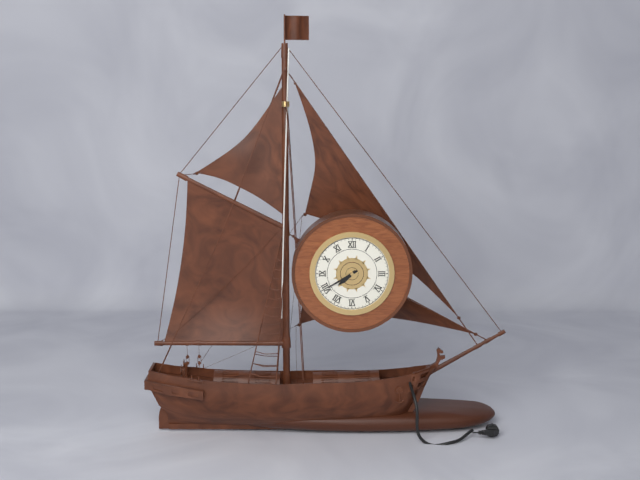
7:40
